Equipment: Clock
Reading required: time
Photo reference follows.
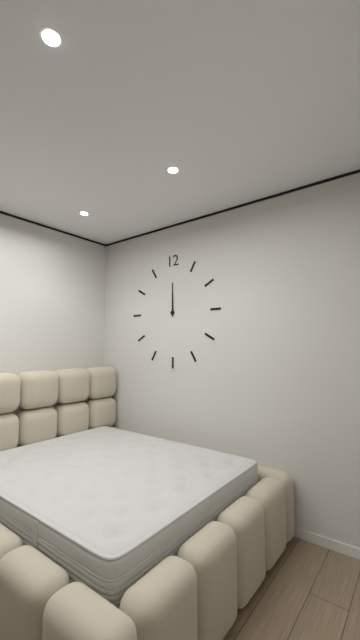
12:00
